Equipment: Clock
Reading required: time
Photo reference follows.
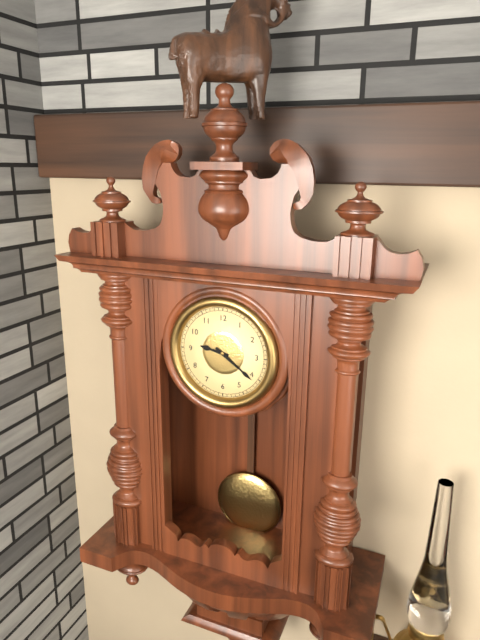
9:21
